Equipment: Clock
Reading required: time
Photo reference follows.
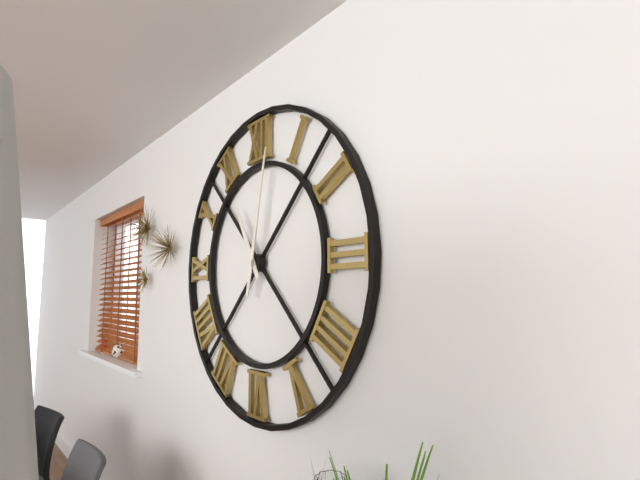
11:02
